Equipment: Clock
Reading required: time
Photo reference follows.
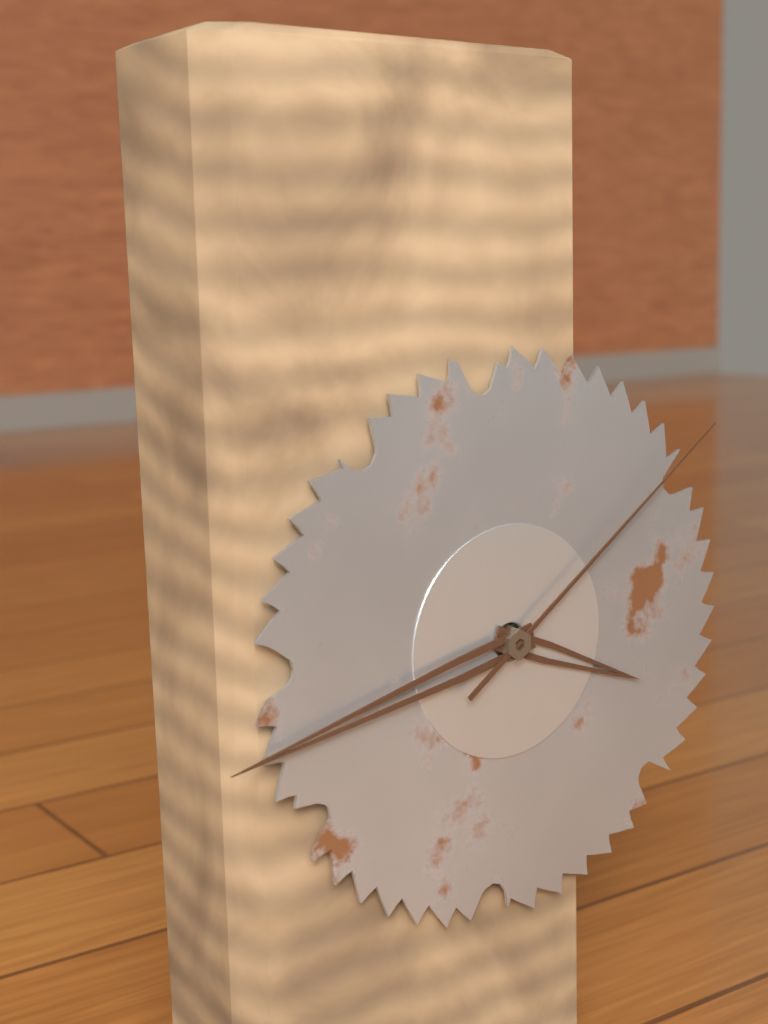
3:43:09
